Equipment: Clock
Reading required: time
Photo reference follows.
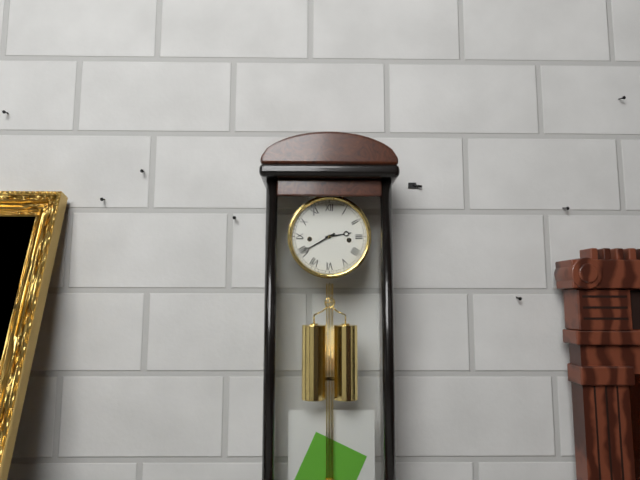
2:40
